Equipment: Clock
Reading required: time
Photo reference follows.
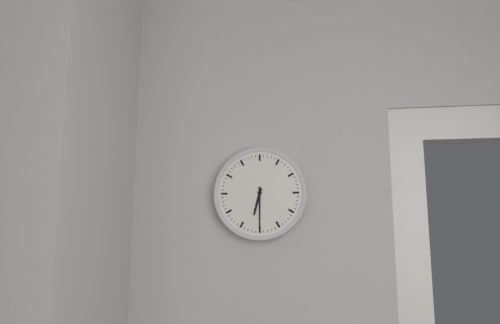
6:30
